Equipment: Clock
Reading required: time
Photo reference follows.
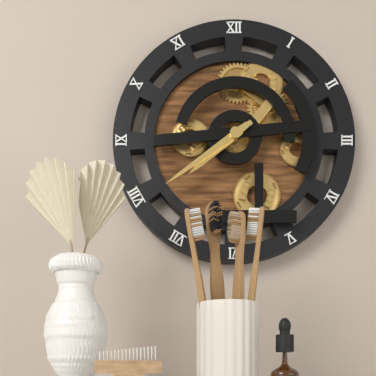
7:39
